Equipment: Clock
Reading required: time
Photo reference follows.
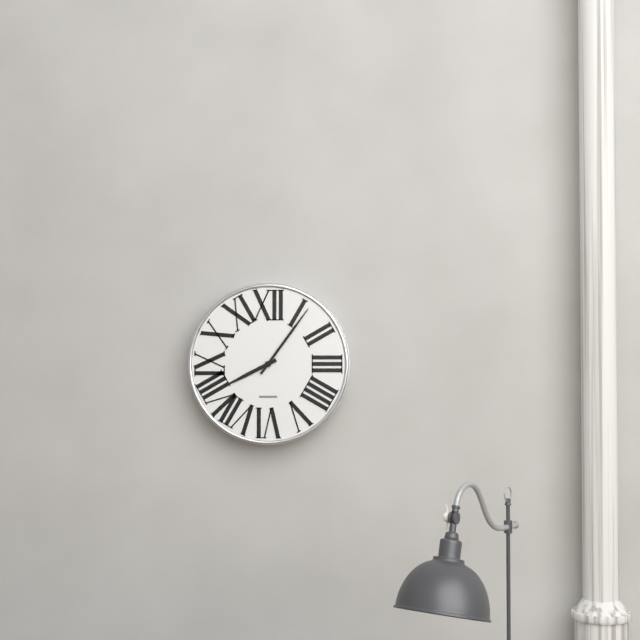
8:06
